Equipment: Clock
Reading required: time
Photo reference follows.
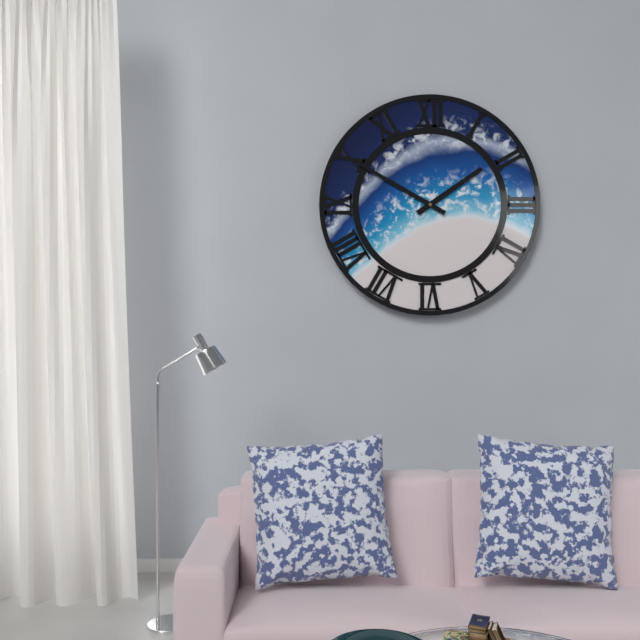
1:50
